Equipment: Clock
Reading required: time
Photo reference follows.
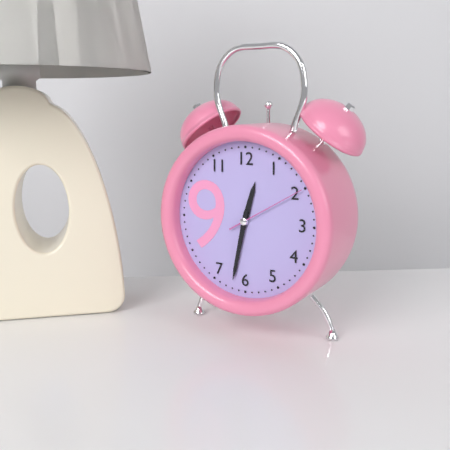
12:32:10
